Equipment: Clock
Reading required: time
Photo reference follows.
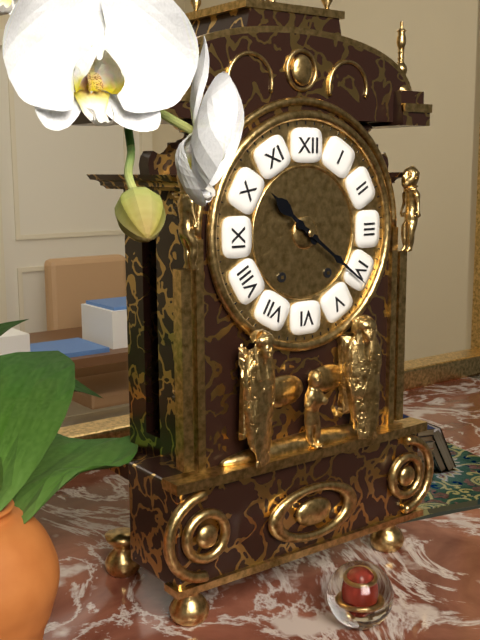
10:21
